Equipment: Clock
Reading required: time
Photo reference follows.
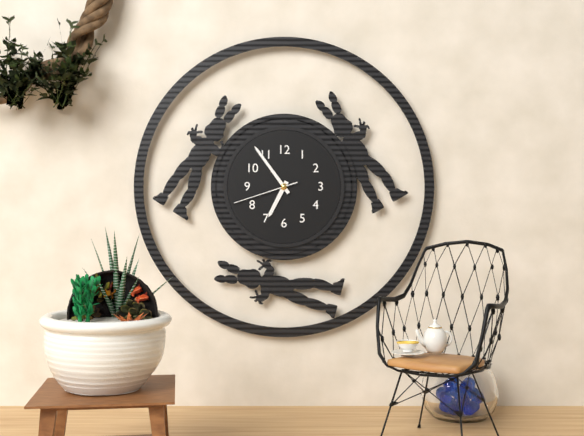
6:54:42
